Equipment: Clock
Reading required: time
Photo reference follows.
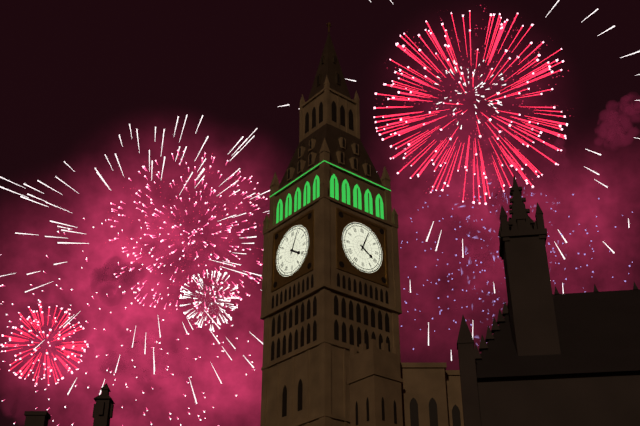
4:04
